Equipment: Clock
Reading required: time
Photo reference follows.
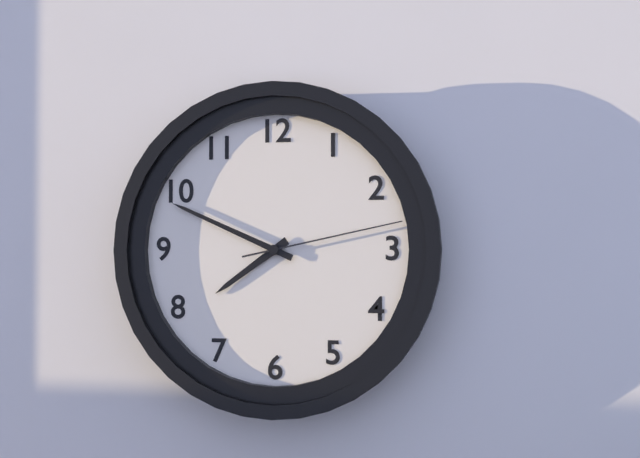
7:49:13
